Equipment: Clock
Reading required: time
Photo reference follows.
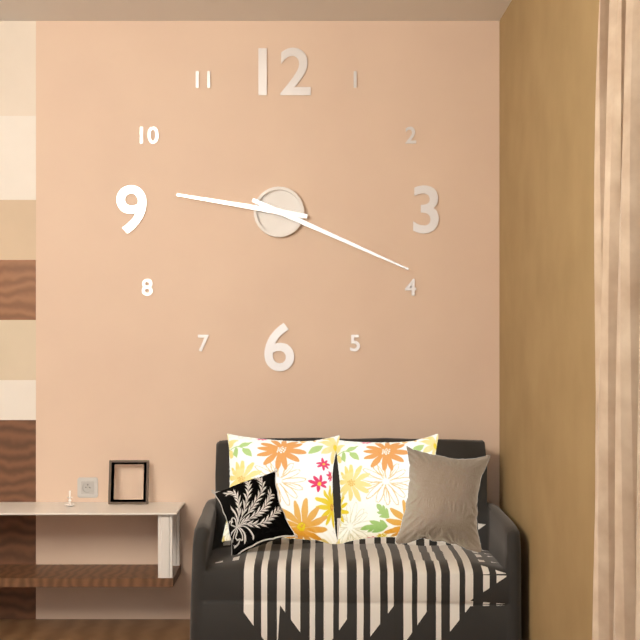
9:19
